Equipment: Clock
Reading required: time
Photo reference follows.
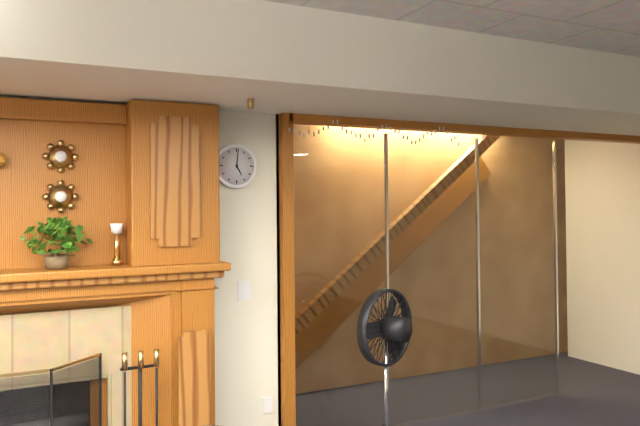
5:01
